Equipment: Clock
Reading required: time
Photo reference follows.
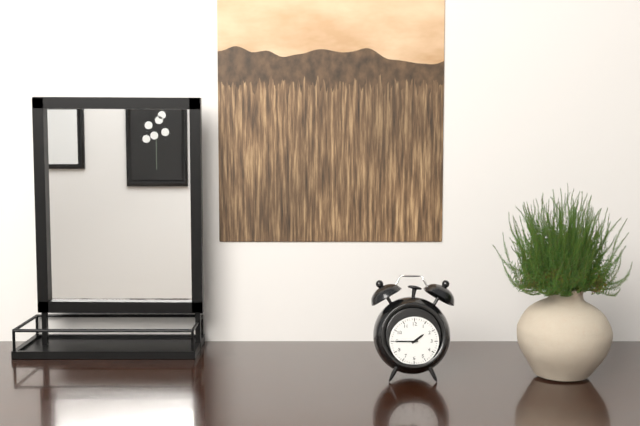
1:45
